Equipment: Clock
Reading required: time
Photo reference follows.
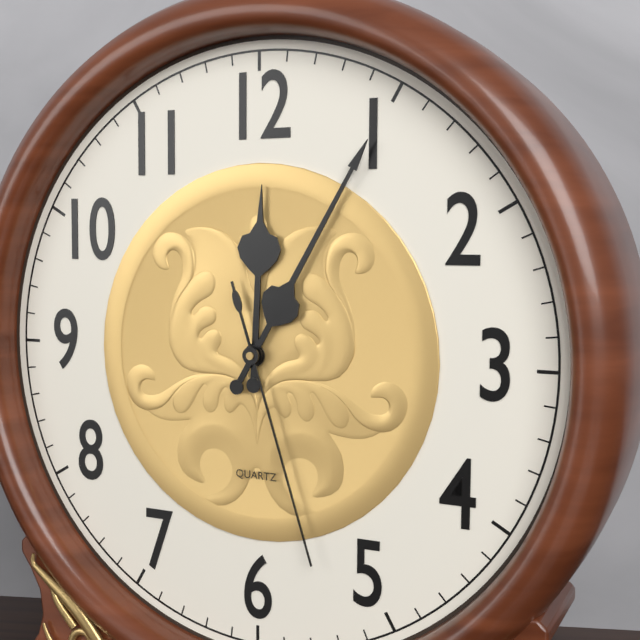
12:05:27
